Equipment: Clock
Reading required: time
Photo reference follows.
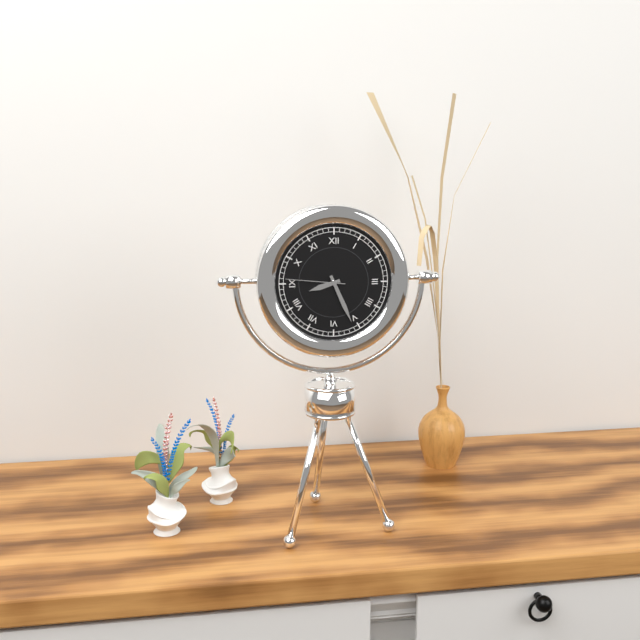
8:26:46
